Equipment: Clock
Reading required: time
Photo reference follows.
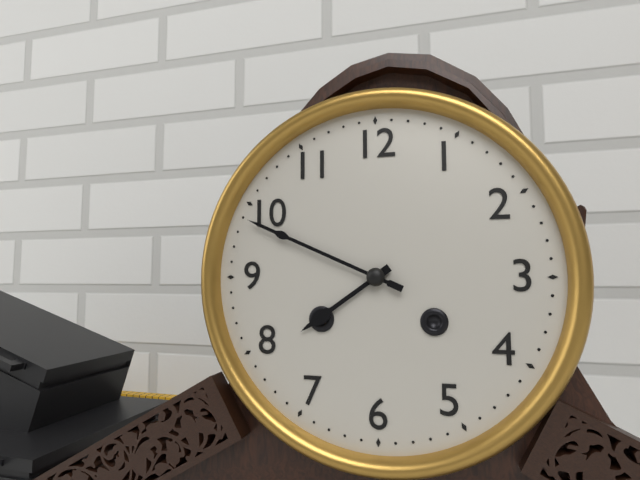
7:49
